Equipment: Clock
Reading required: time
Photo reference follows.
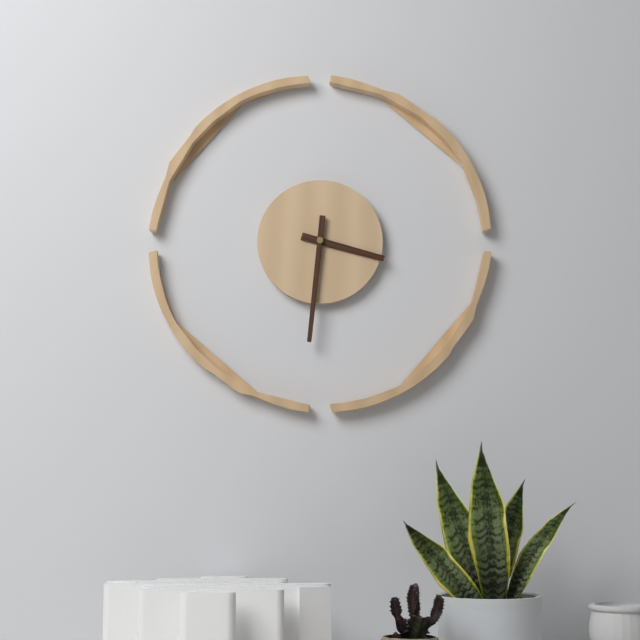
3:31
